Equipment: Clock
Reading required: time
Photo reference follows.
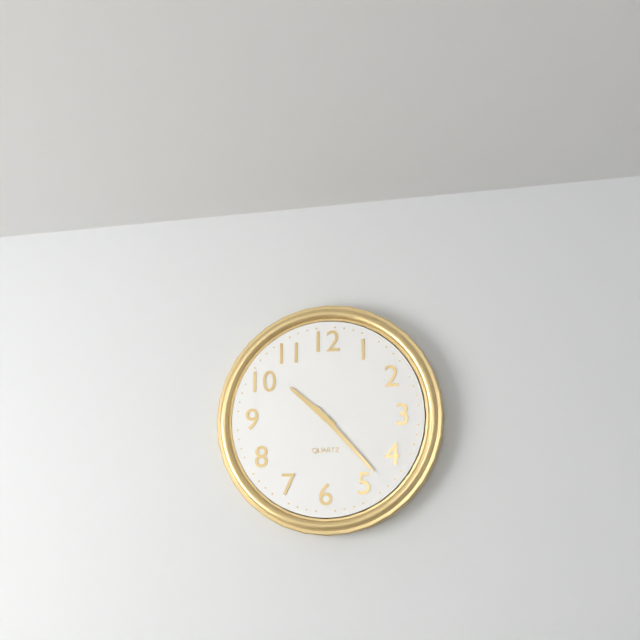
10:23
